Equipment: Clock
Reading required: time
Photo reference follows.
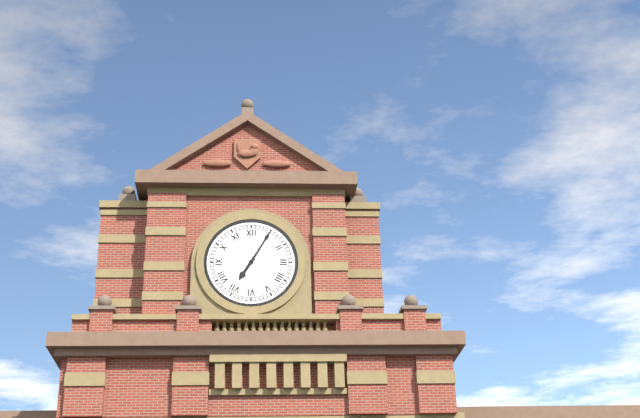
7:05
